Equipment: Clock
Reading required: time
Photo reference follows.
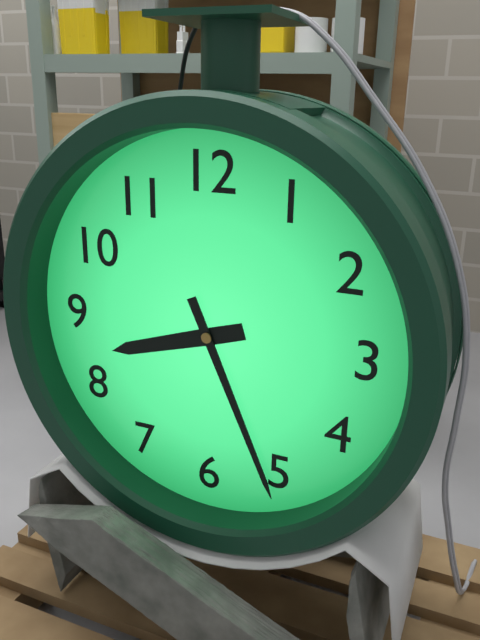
8:26
